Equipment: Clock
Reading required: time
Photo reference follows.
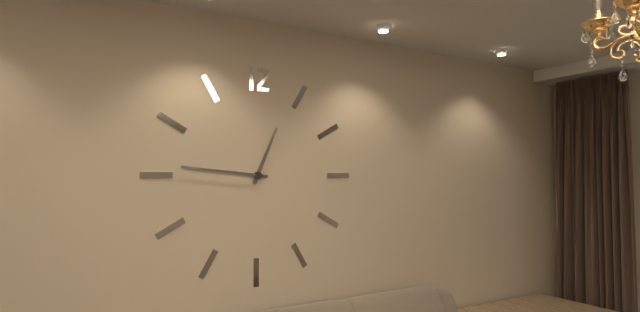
12:46
